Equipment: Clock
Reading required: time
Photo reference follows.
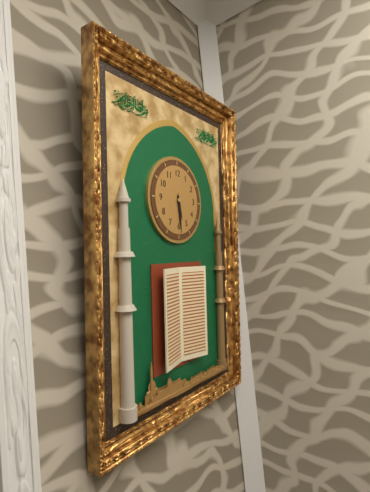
5:29
